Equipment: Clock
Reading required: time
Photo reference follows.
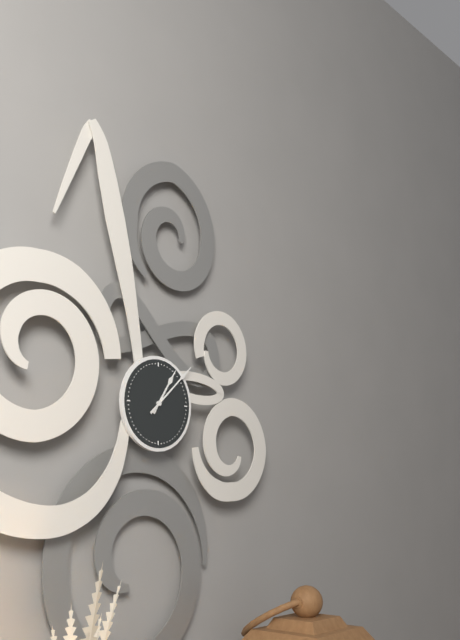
1:08
